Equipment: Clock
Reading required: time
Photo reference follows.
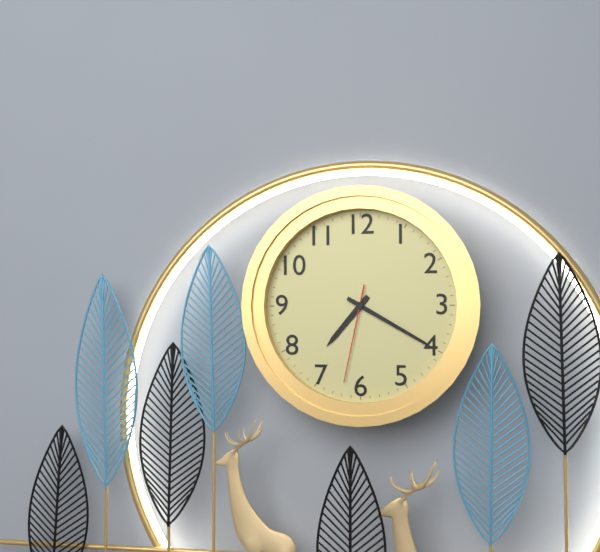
7:20:32
